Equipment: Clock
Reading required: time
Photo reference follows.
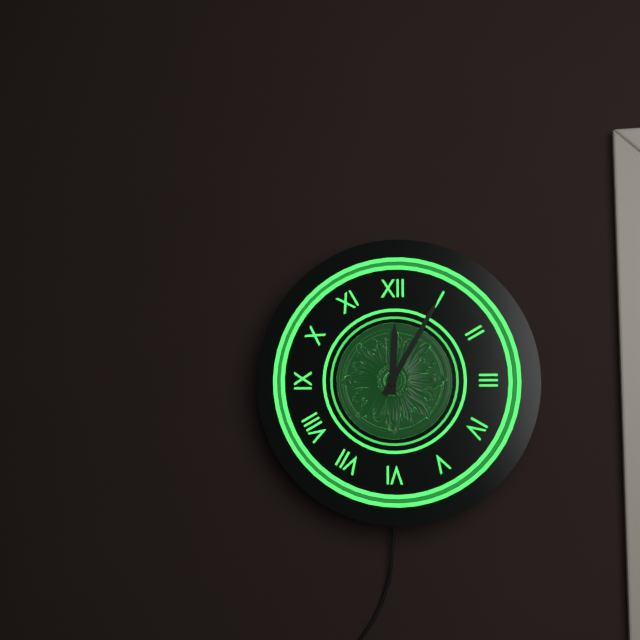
12:05
